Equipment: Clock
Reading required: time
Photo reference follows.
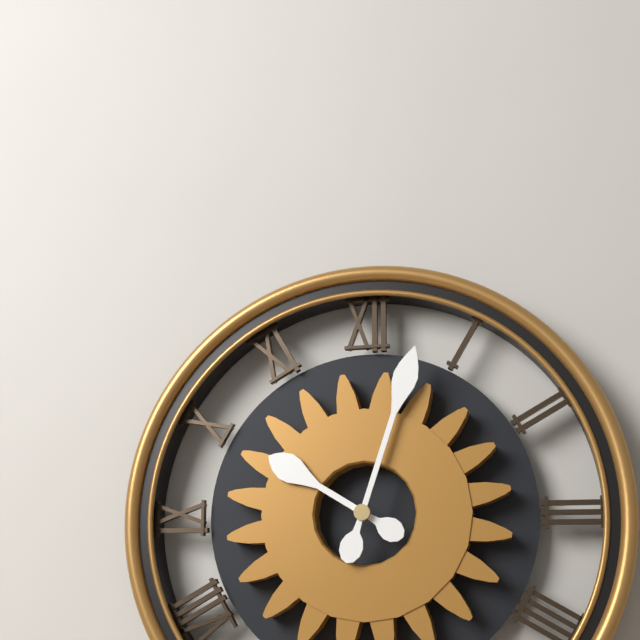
10:03
